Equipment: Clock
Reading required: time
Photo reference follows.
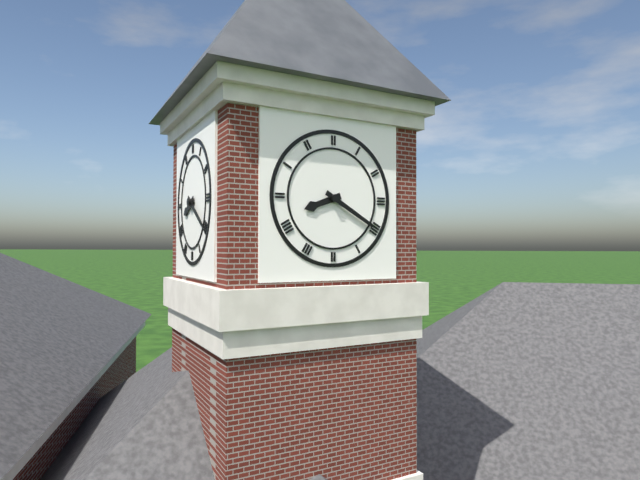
8:20
